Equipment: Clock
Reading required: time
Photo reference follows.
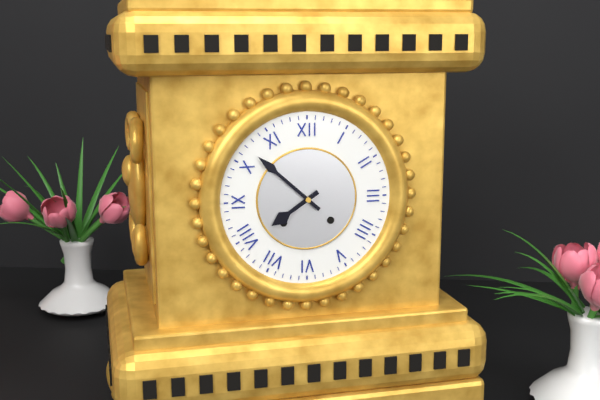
7:52
